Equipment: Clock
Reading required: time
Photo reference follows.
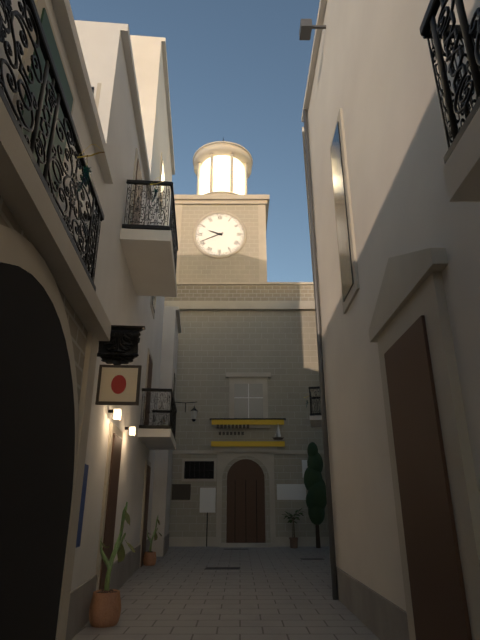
9:41
